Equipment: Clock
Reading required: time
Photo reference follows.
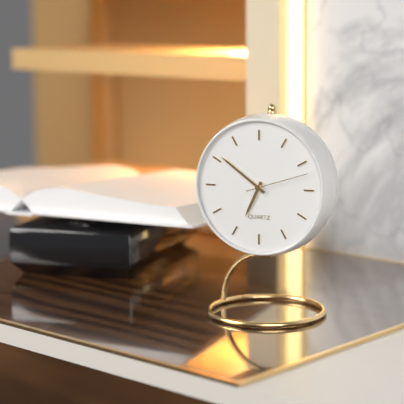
6:51:12
